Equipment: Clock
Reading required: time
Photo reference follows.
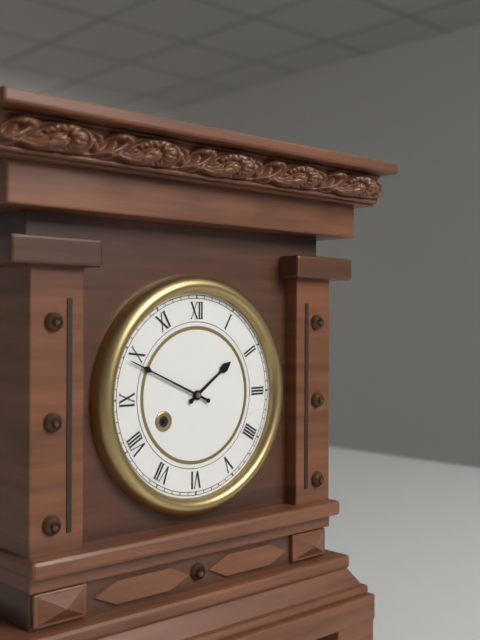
1:49
